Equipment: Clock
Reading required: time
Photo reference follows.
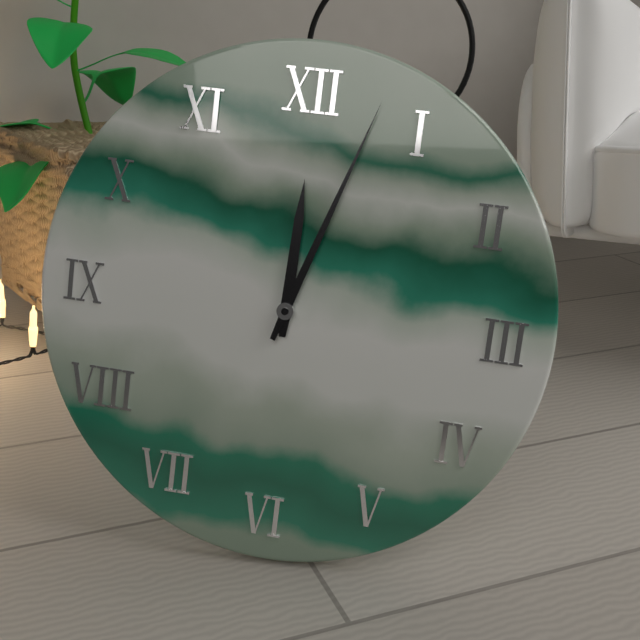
12:03
